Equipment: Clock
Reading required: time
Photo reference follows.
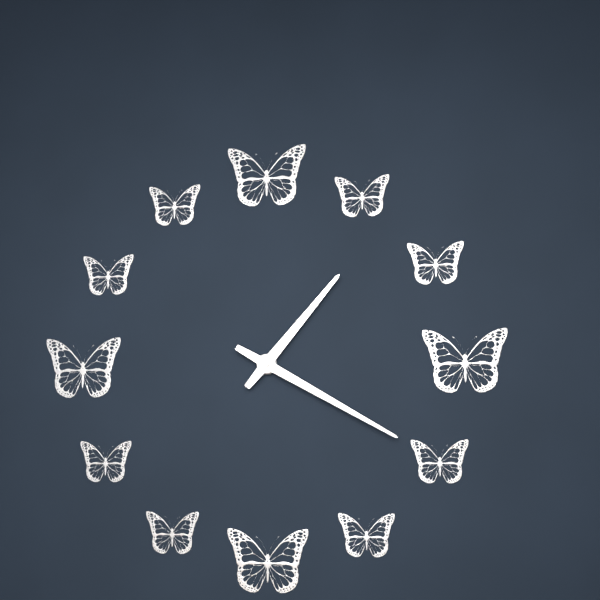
1:20
